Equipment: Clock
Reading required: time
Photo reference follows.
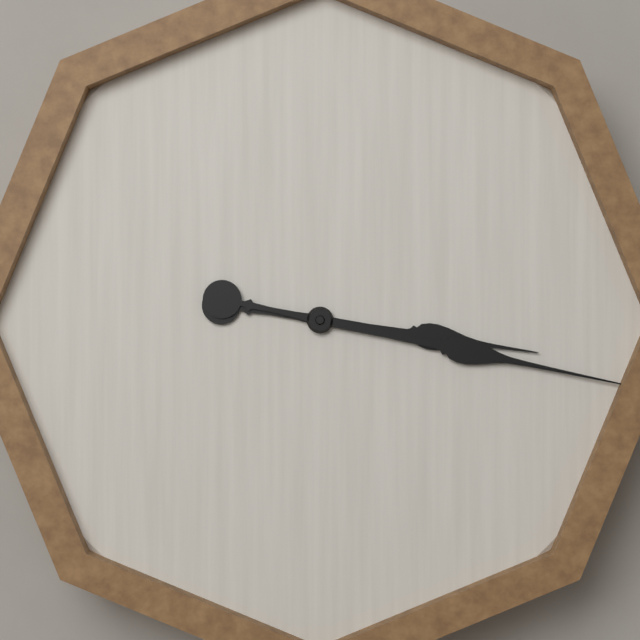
3:17
